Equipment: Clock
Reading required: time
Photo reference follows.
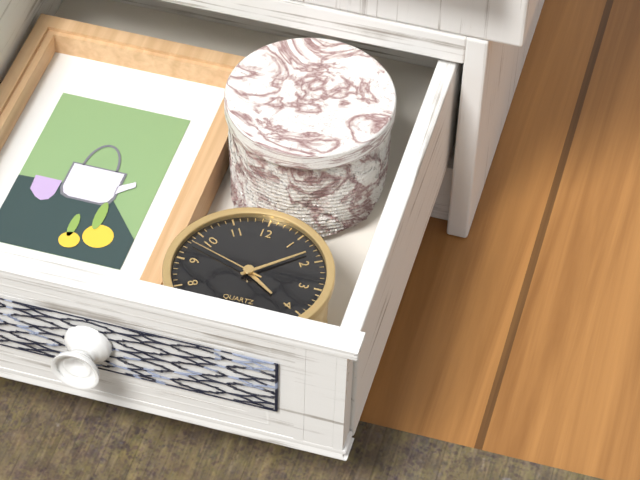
4:08:48
